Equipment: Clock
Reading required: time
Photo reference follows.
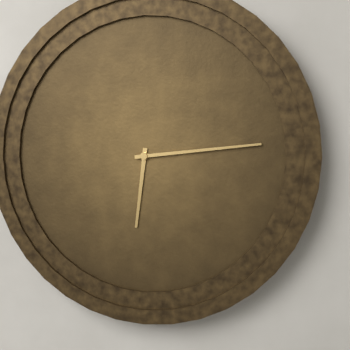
6:14
